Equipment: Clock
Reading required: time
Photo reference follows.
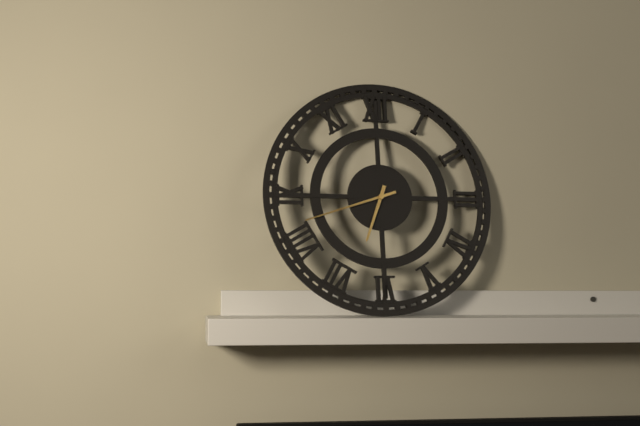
6:42
